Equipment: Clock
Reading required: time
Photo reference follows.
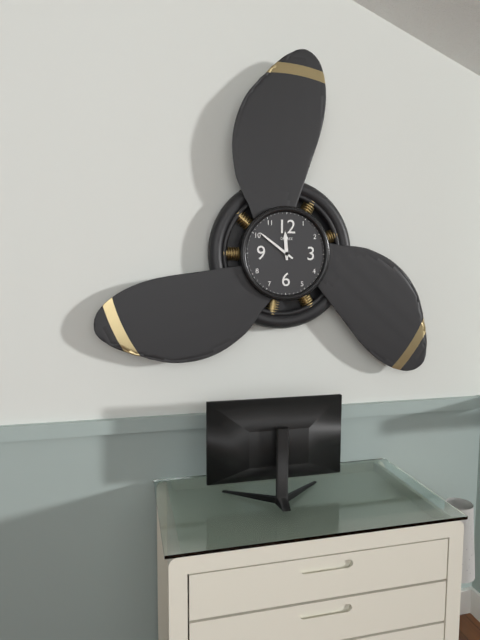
11:51
